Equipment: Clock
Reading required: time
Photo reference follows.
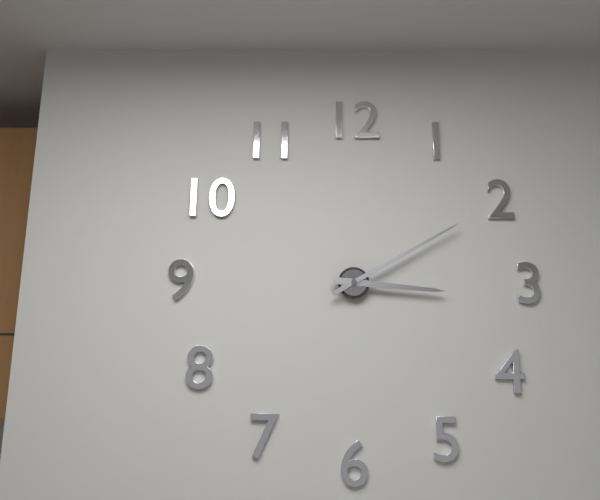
3:10
